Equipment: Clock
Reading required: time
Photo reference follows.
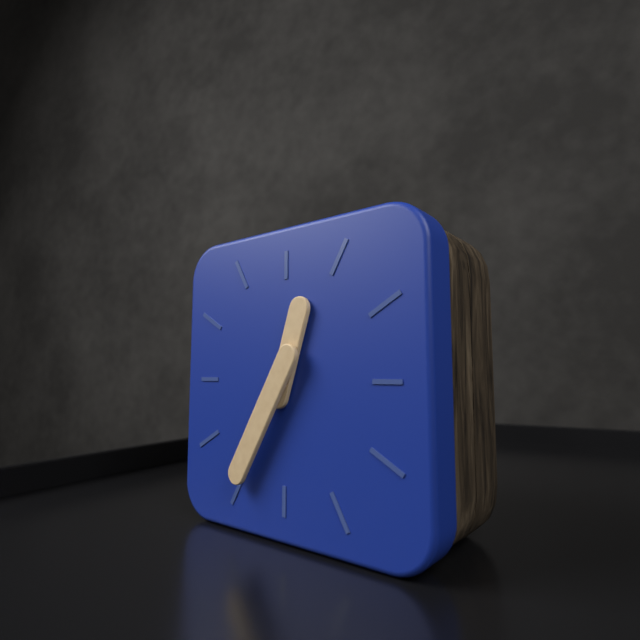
12:35
